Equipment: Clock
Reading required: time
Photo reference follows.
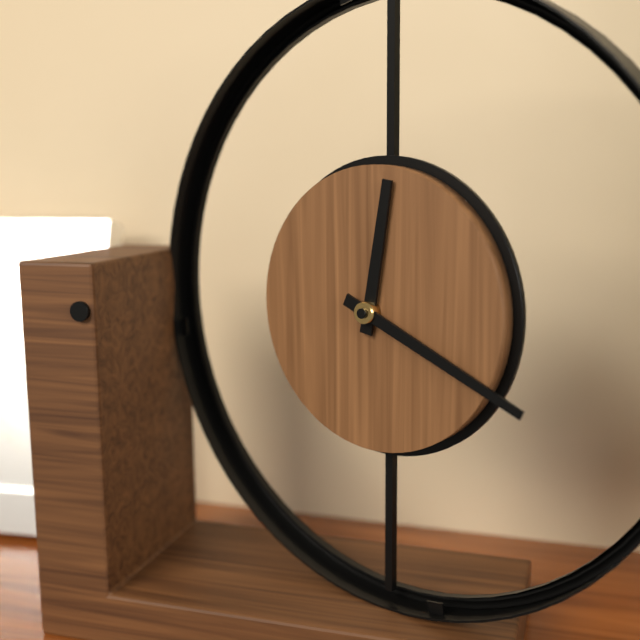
12:19
